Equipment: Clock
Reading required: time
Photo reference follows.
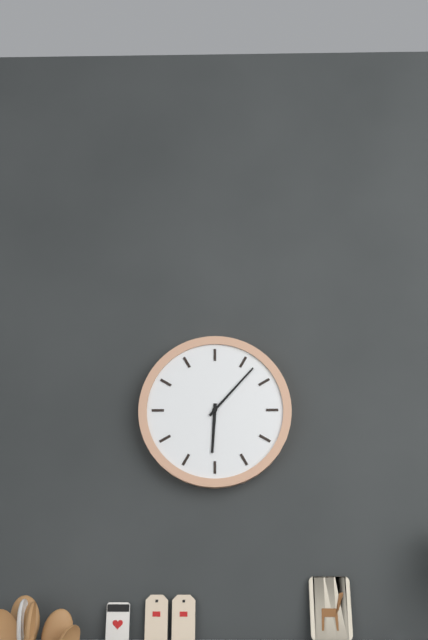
6:07
